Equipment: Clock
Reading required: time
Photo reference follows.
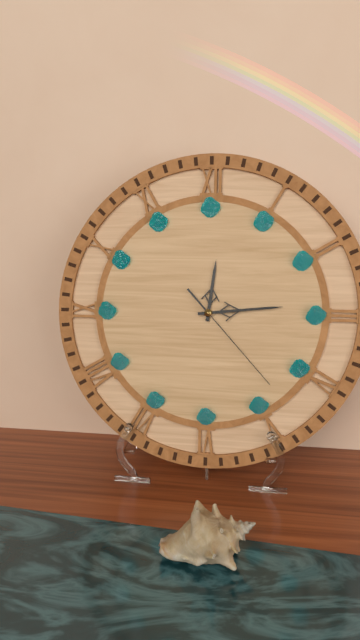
12:14:23
